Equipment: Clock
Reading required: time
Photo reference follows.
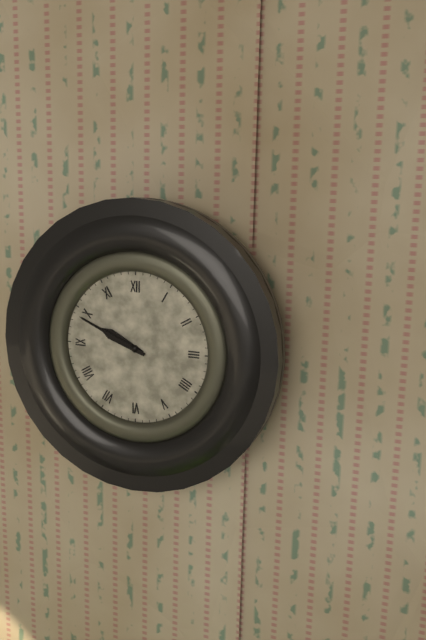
9:49
